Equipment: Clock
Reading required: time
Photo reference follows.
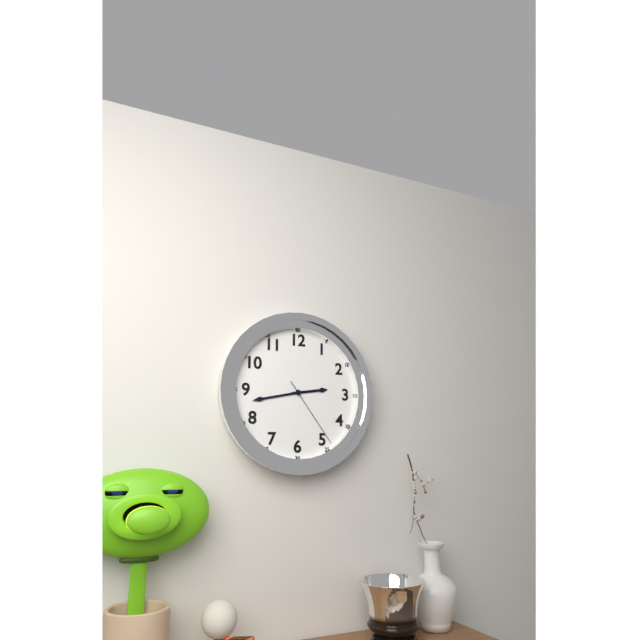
2:43:24
